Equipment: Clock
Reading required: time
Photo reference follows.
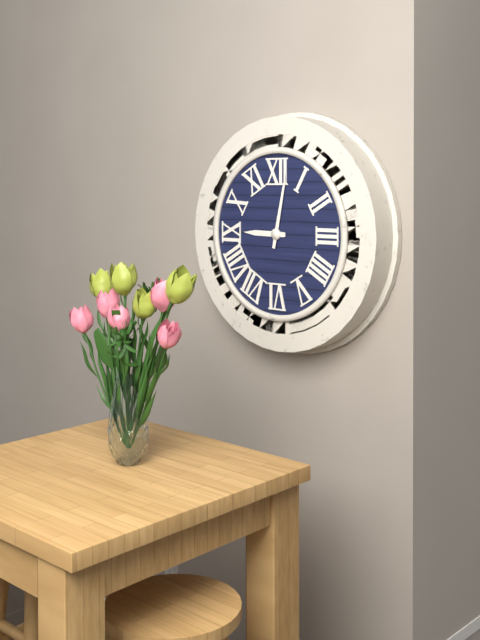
9:02
